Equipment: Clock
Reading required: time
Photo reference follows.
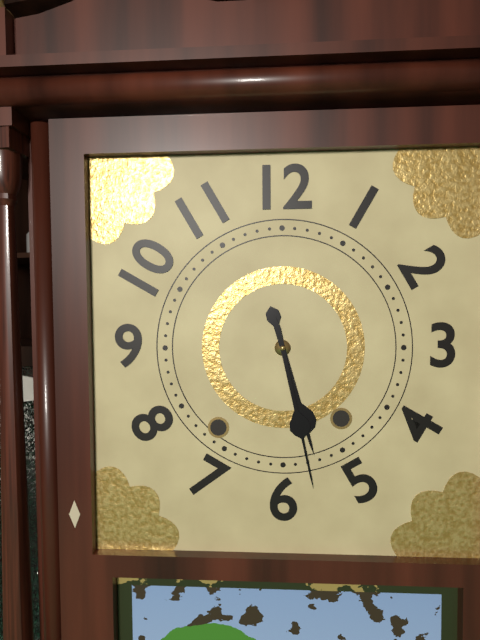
5:28
